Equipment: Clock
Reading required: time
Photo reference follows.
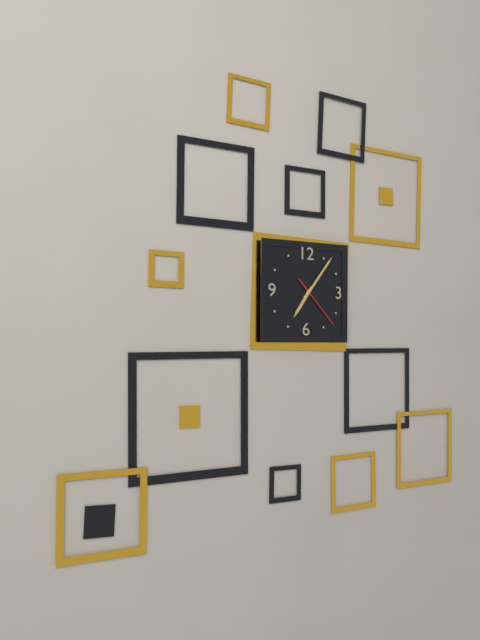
7:06:23
